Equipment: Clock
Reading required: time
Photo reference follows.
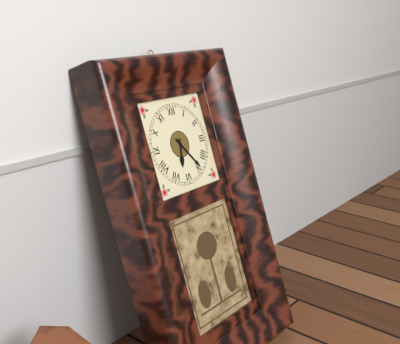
6:24
